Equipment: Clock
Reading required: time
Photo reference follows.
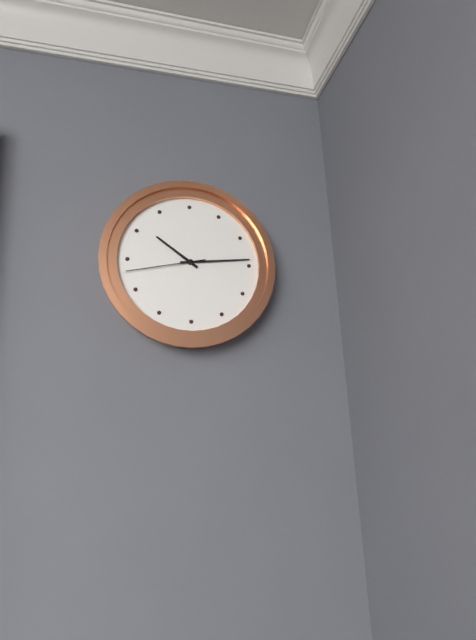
10:14:43
